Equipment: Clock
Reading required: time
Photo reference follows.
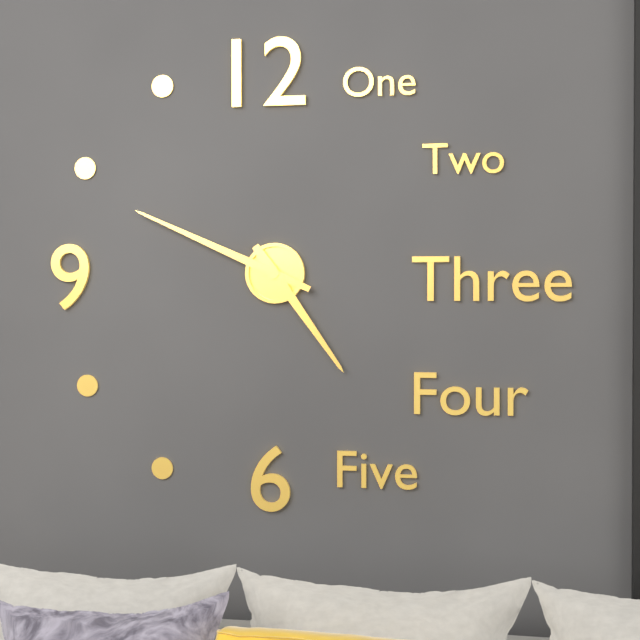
4:49
